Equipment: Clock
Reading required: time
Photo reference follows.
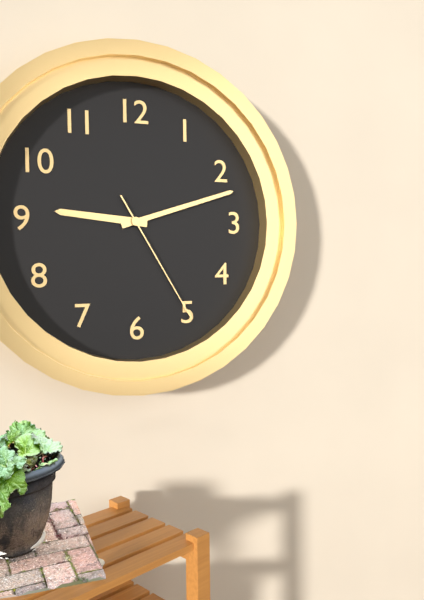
9:12:25
